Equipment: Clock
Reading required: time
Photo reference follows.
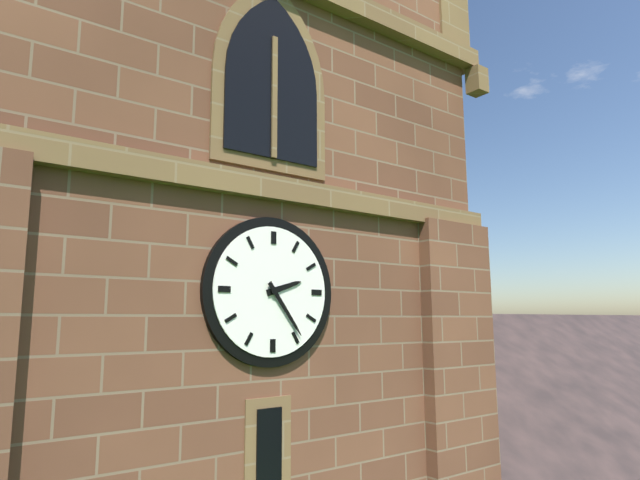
2:24
